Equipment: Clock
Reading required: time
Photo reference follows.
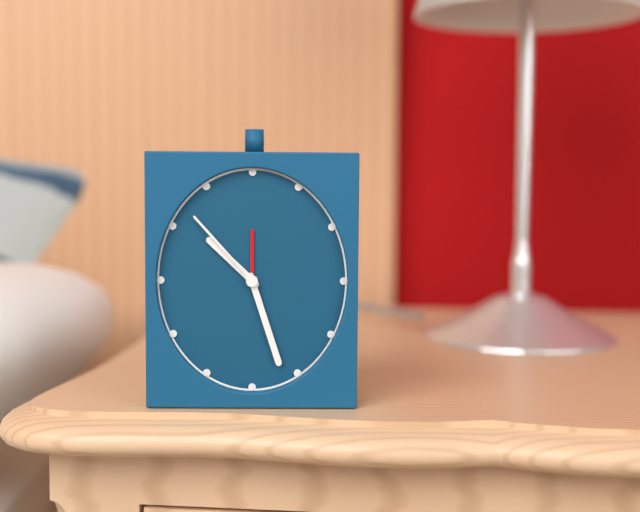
10:27:53
